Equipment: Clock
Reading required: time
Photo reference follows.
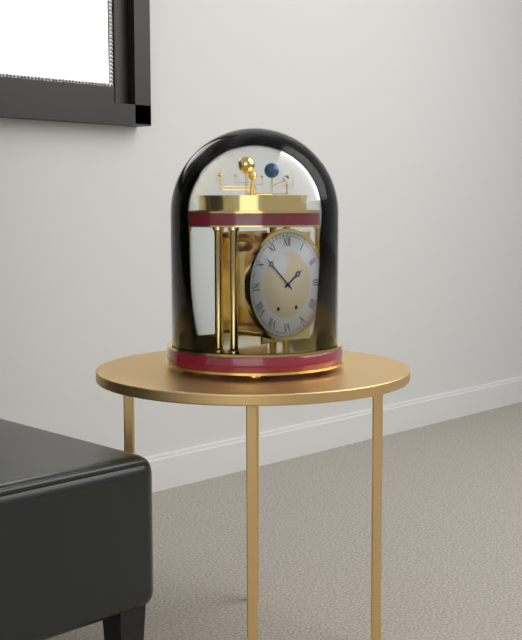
1:52
